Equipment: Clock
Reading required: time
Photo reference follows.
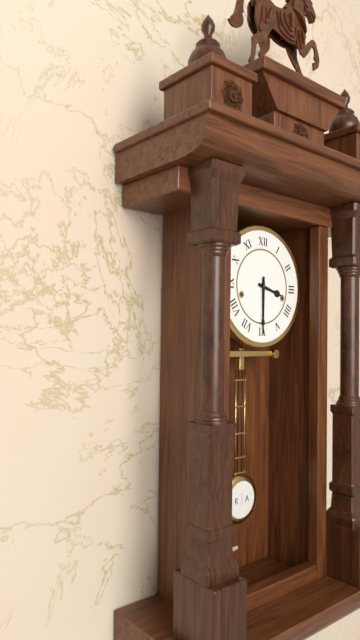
3:30
